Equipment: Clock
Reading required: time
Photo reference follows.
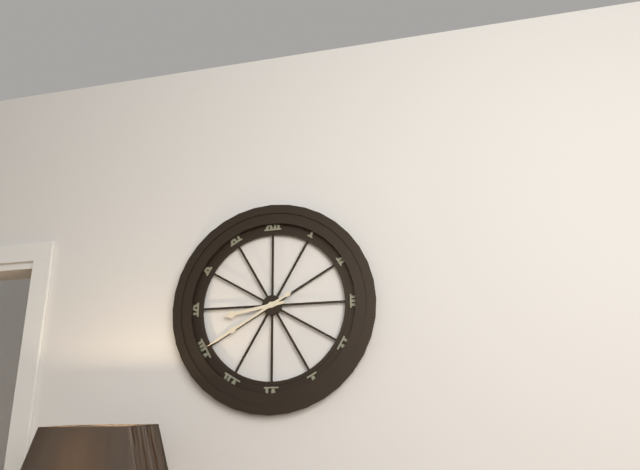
8:40
